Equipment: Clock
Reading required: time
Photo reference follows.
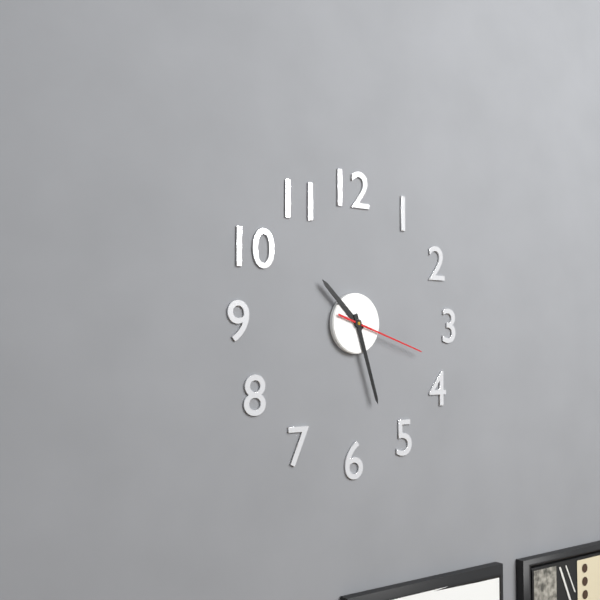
10:27:18
